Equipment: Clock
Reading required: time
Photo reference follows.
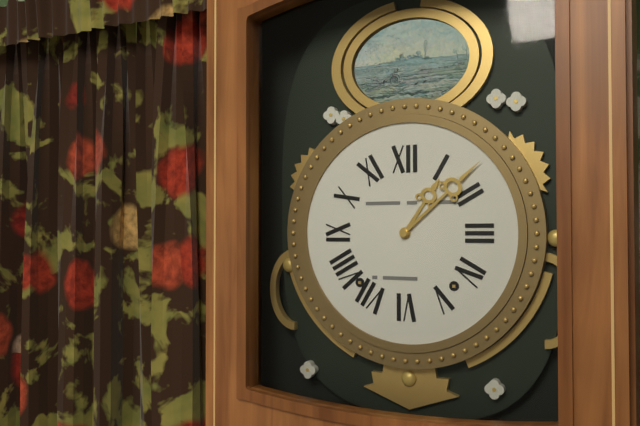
1:08
